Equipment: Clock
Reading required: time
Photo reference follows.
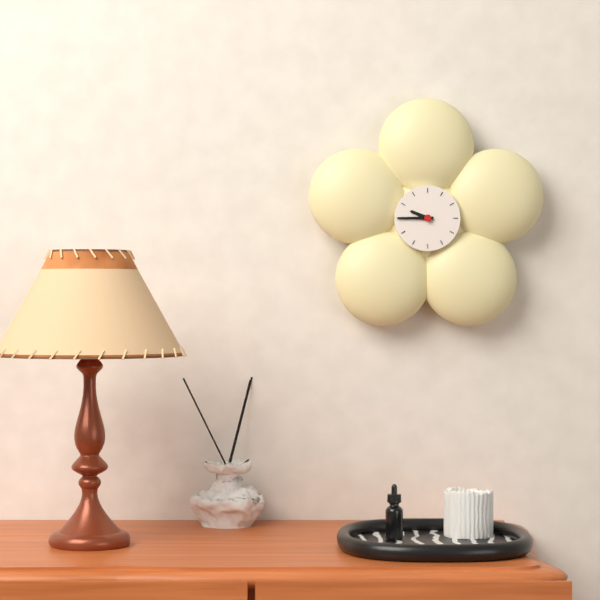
9:45
